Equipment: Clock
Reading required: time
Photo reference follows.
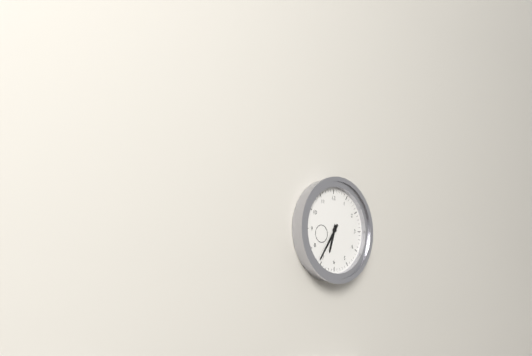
6:36
